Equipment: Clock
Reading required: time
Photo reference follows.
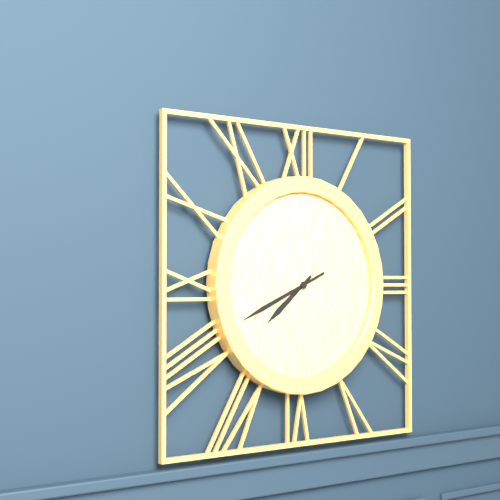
7:41
